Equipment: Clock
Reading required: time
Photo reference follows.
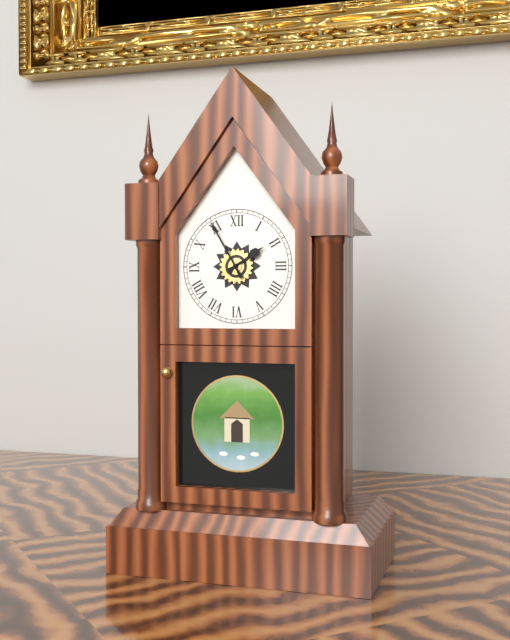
1:55
